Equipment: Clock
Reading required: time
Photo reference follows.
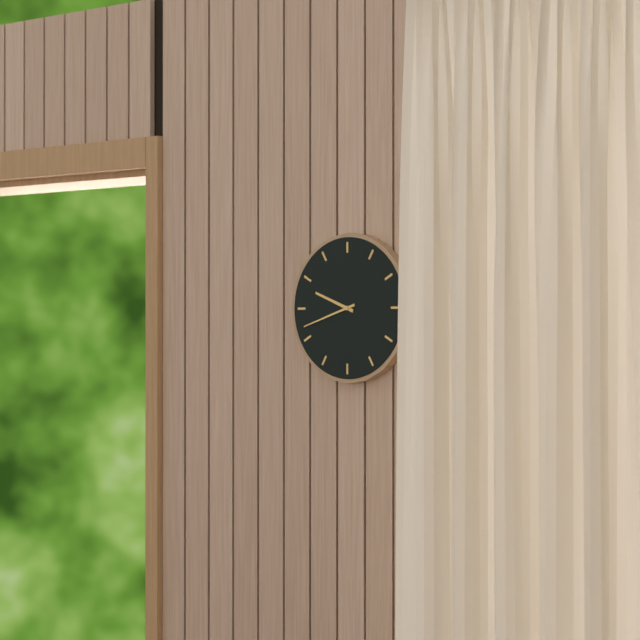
9:42
